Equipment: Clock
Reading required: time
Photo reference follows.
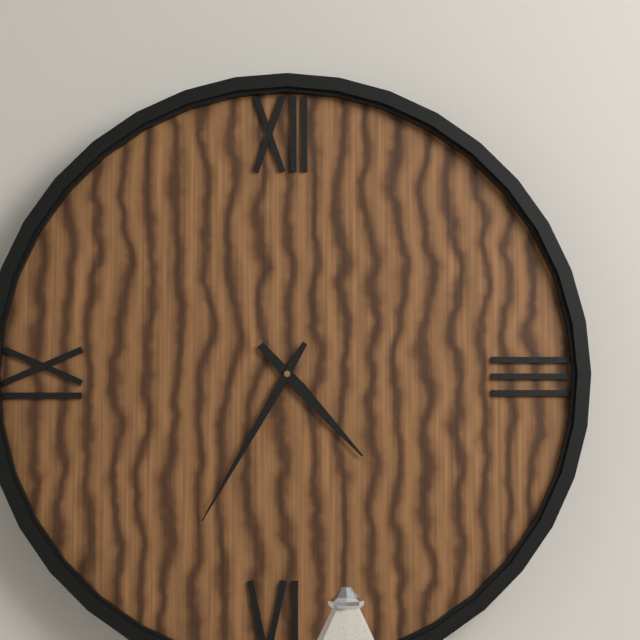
4:35
